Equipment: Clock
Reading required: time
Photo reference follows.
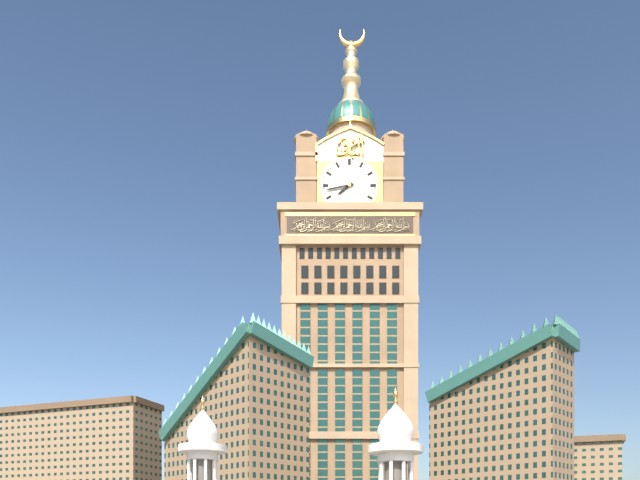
7:43
